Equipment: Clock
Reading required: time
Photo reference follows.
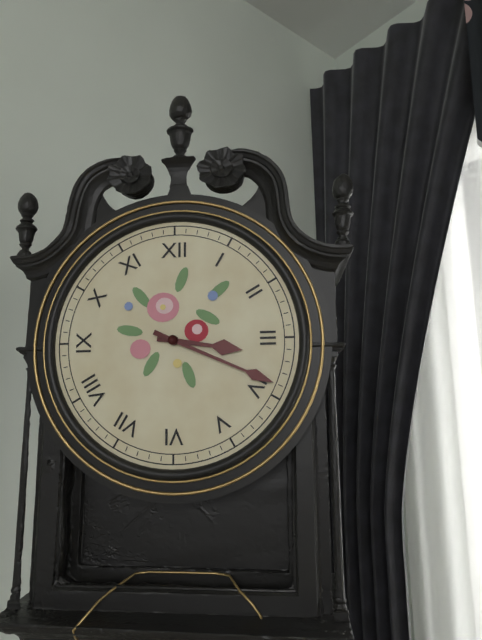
3:19
